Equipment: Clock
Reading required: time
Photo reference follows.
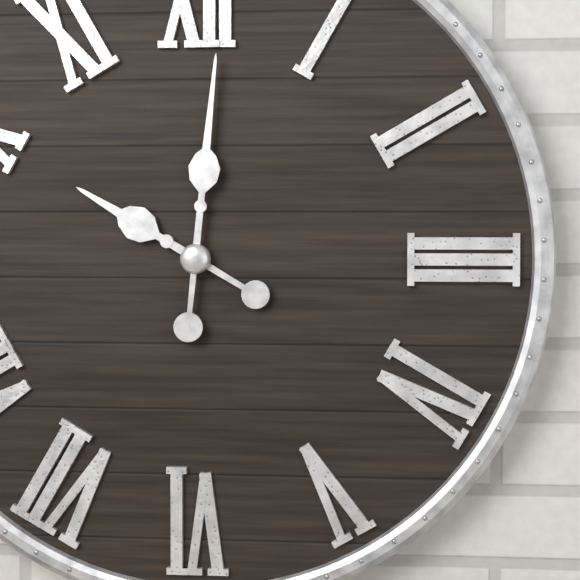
10:01
